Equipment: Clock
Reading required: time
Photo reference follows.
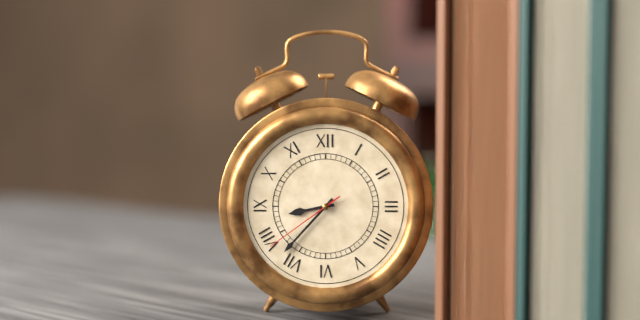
8:37:39
